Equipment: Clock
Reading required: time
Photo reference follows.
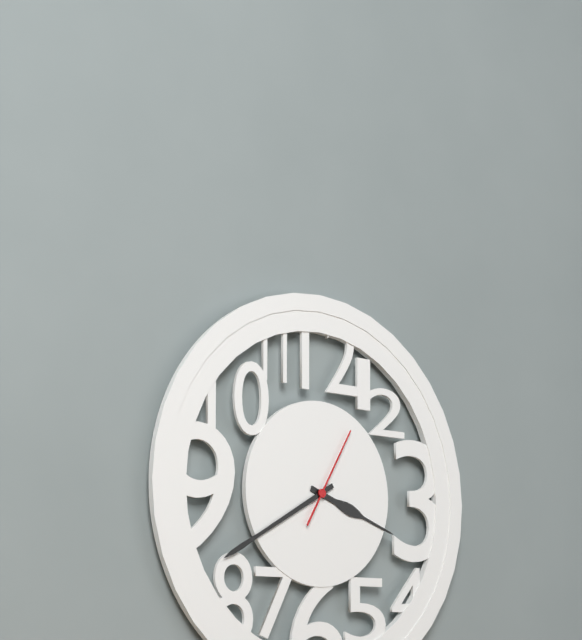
3:40:05
